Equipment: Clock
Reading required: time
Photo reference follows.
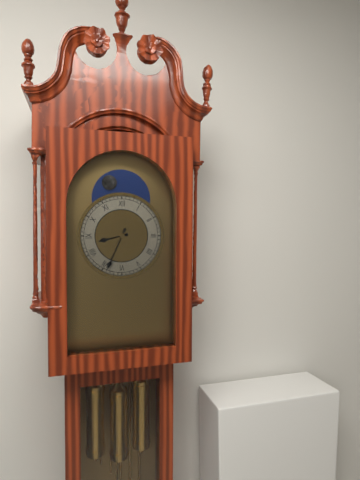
8:34
